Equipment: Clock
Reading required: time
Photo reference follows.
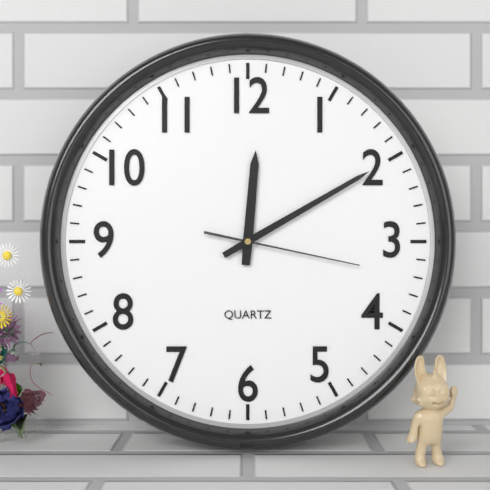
12:10:17
